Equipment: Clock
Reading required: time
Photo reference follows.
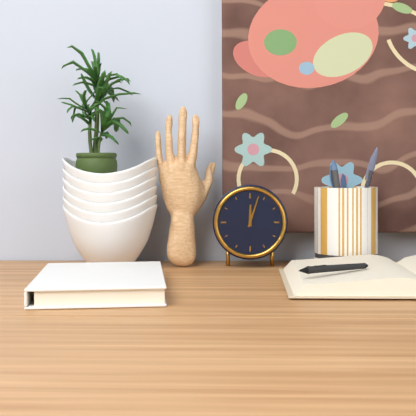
12:03
